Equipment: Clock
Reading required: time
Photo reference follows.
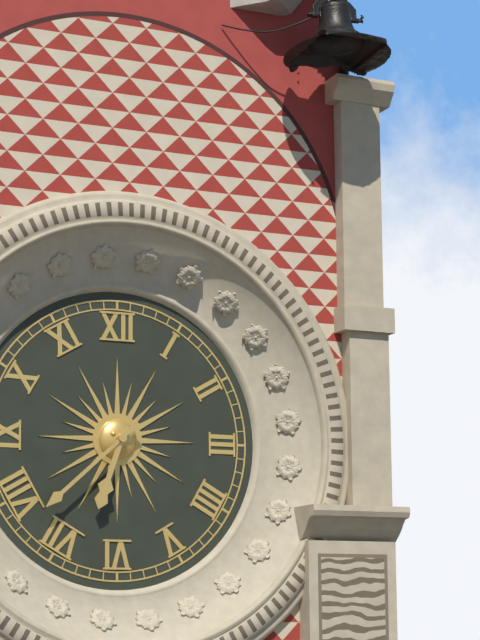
6:38
